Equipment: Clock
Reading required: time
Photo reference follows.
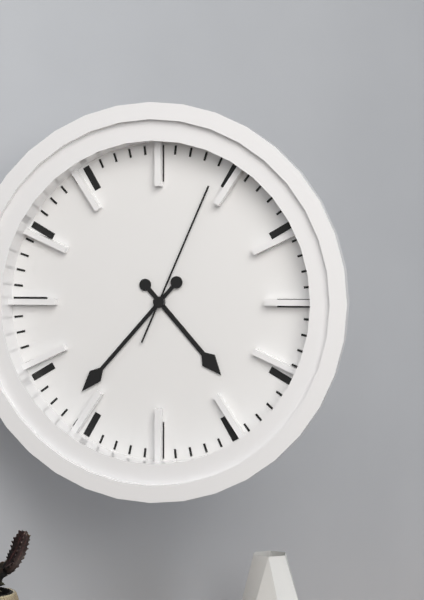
4:37:04
